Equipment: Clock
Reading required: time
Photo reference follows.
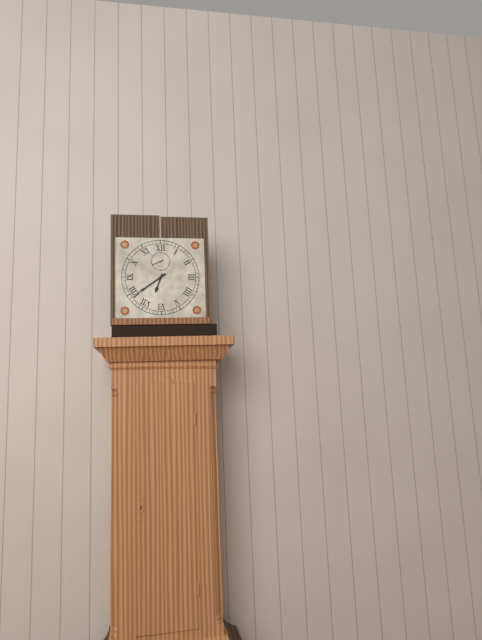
6:39
